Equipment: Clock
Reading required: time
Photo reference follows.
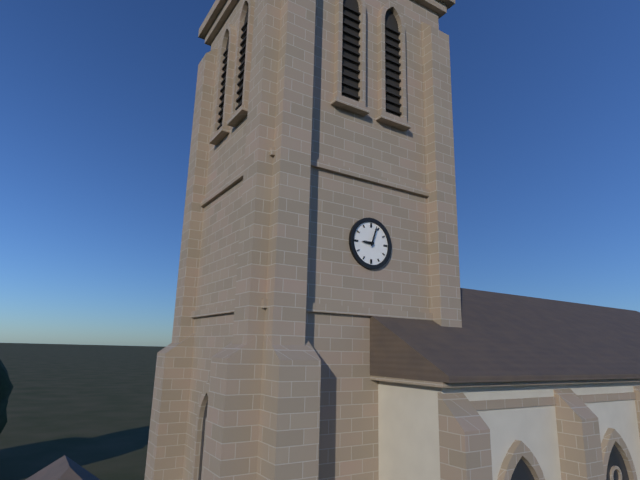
9:03
